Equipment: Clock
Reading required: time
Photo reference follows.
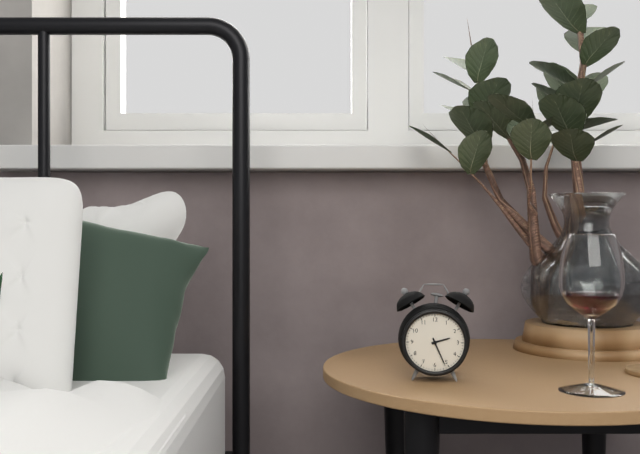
2:26
